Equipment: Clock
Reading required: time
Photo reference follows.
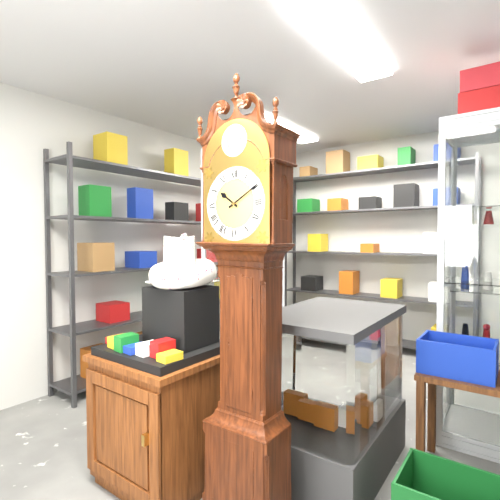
10:10
